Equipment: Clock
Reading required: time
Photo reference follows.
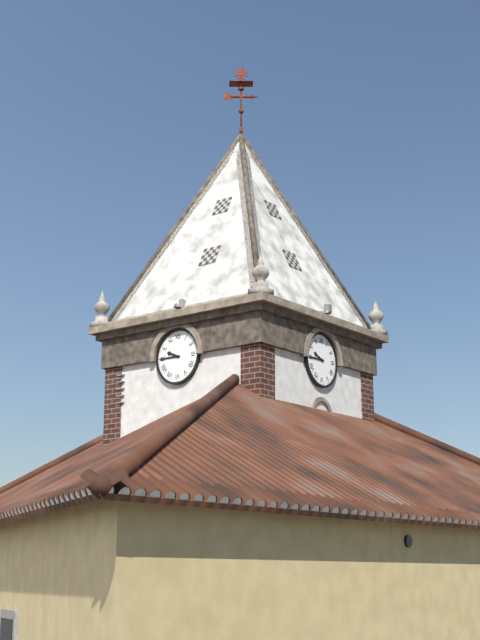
9:45
